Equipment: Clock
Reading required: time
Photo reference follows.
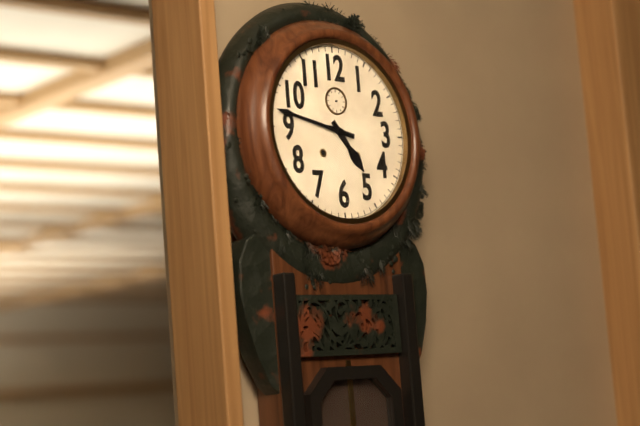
4:47
